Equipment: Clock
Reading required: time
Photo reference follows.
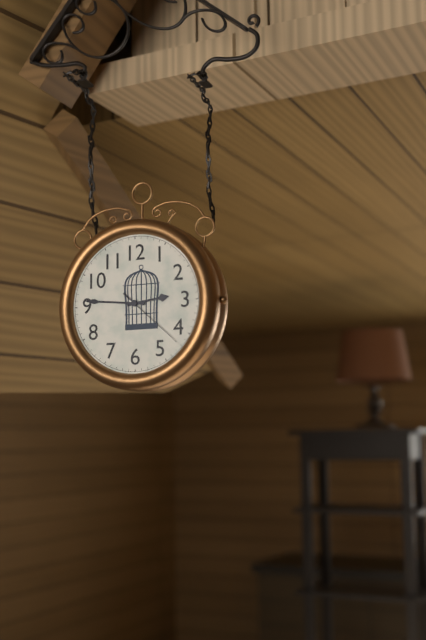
2:46:22
